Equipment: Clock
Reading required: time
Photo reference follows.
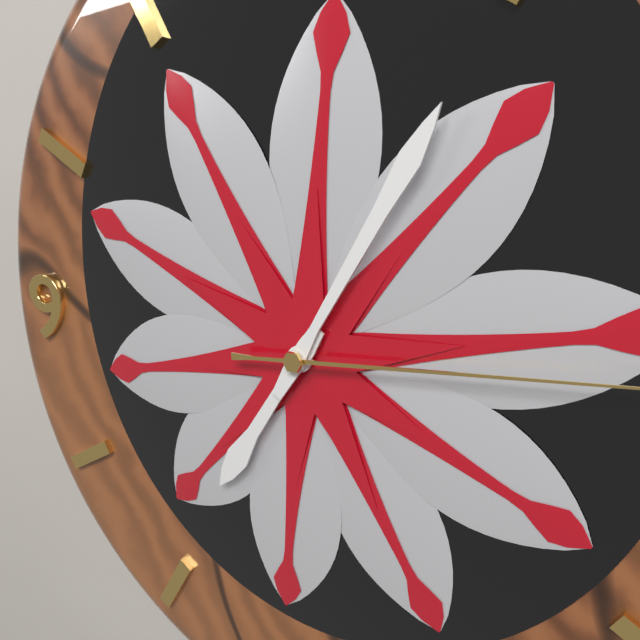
7:05
